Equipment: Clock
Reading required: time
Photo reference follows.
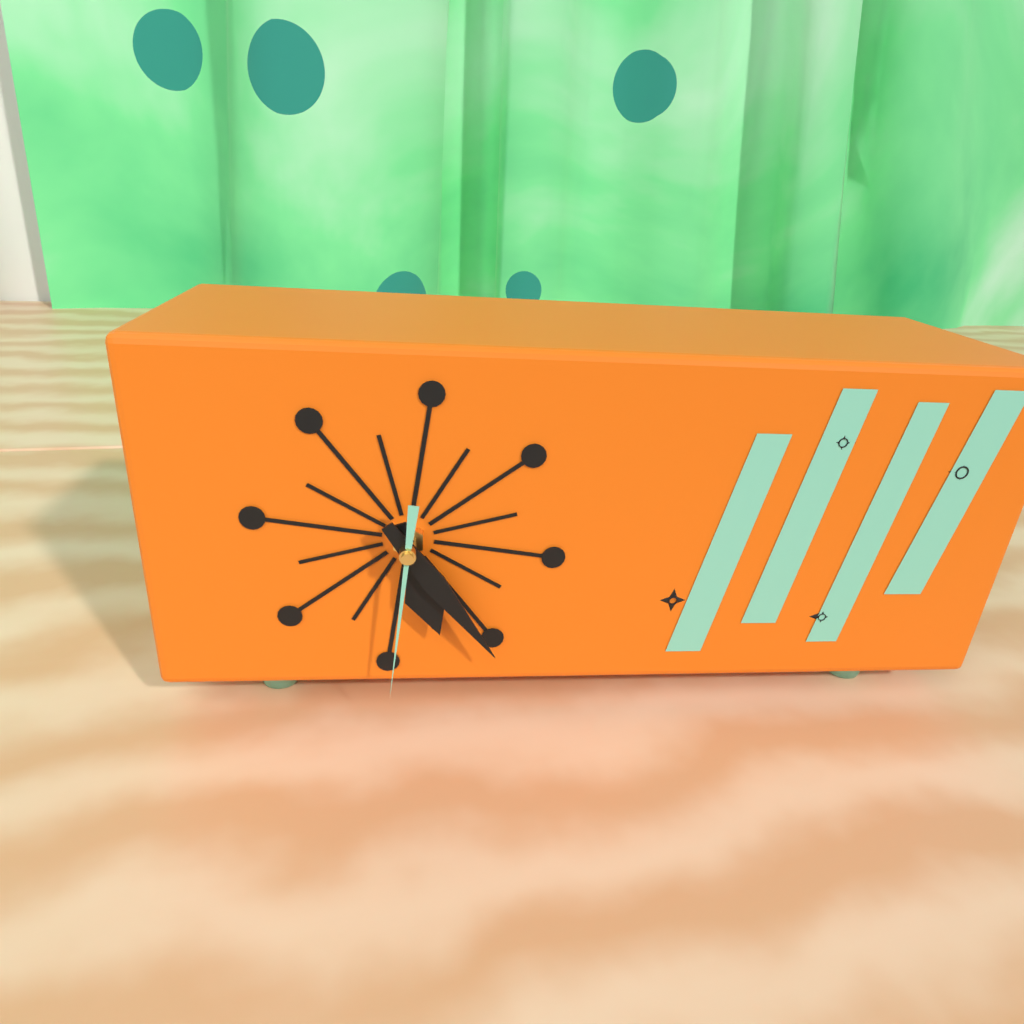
5:24:31
